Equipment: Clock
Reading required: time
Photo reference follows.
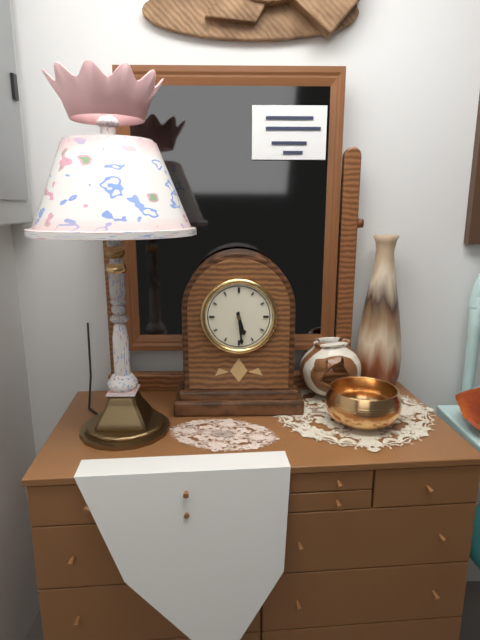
5:29
